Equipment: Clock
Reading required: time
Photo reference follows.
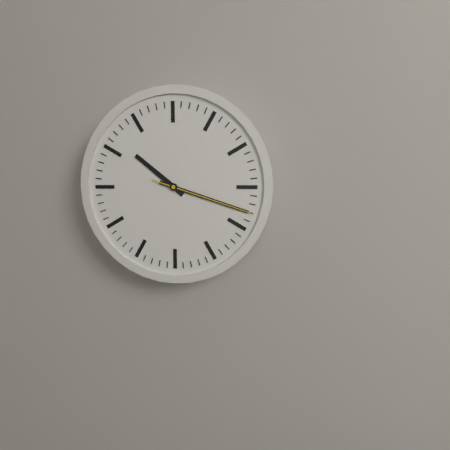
10:18:18
